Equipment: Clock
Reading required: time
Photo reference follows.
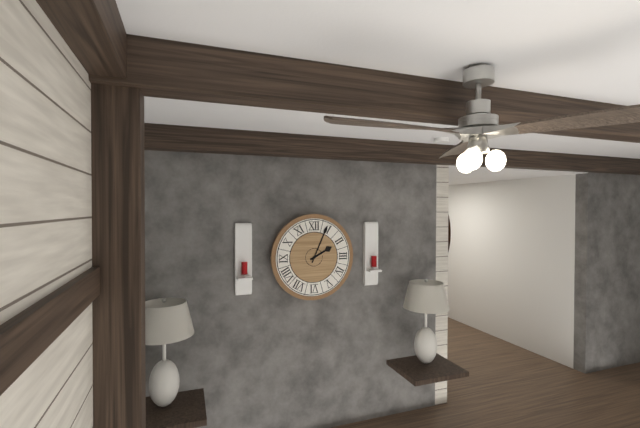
2:04
